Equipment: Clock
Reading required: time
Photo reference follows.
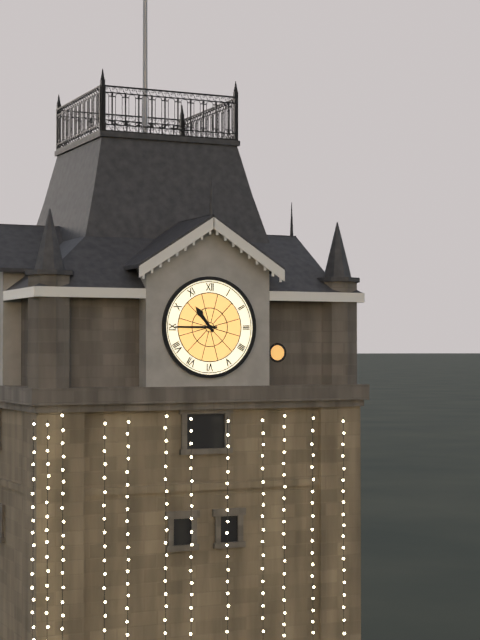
10:45
